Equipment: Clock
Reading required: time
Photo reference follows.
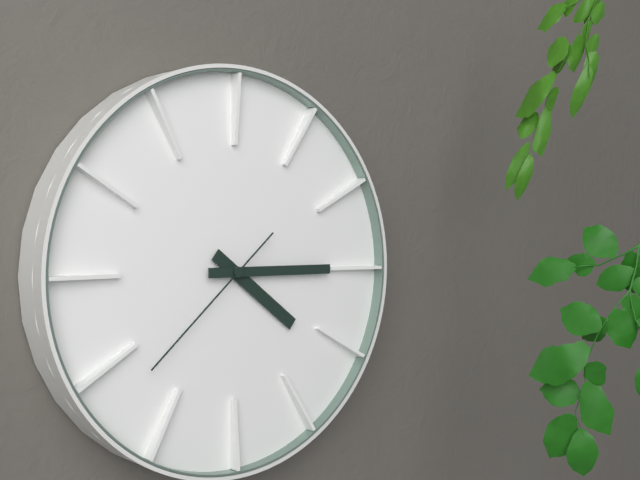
4:15:38
